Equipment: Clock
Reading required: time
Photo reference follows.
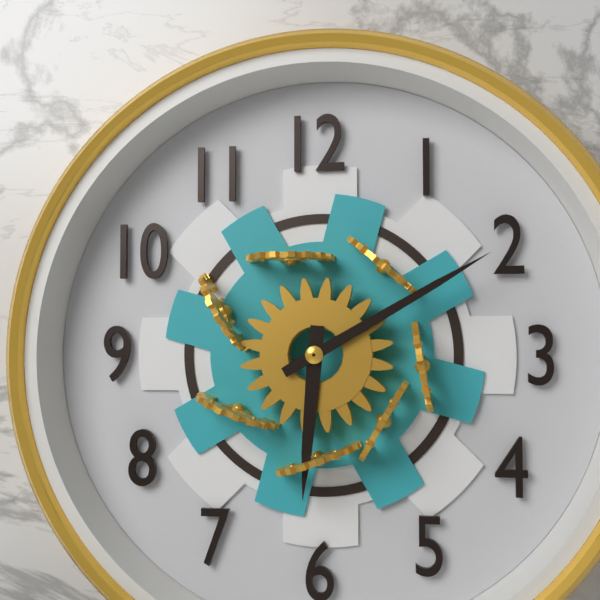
6:10
